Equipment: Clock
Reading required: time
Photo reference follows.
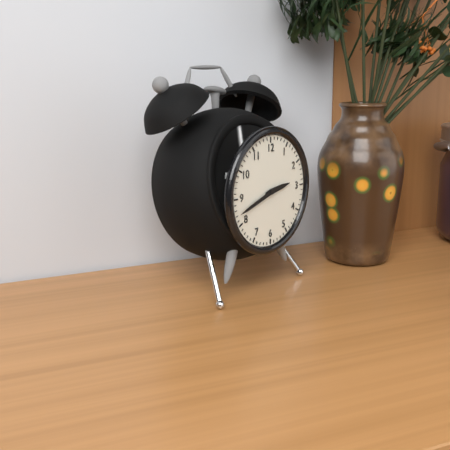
2:42
